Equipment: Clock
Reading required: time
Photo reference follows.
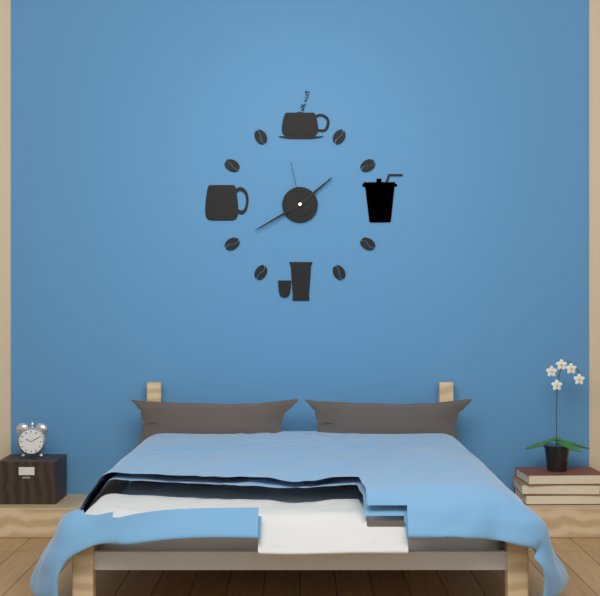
1:40:58
